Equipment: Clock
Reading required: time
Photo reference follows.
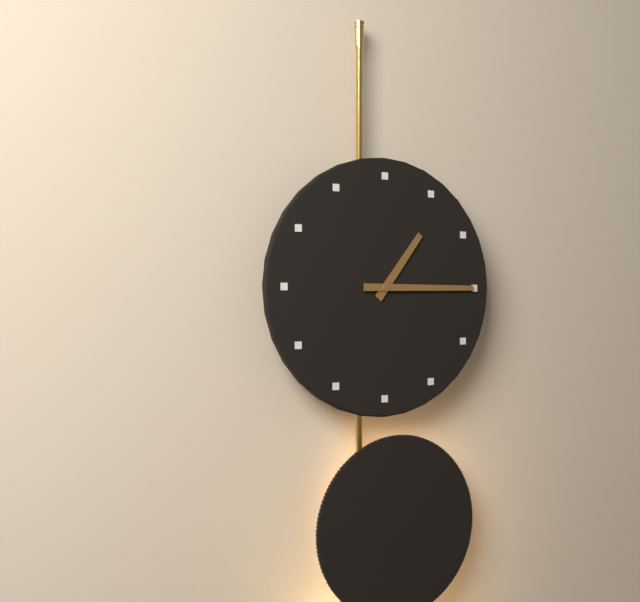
1:15
